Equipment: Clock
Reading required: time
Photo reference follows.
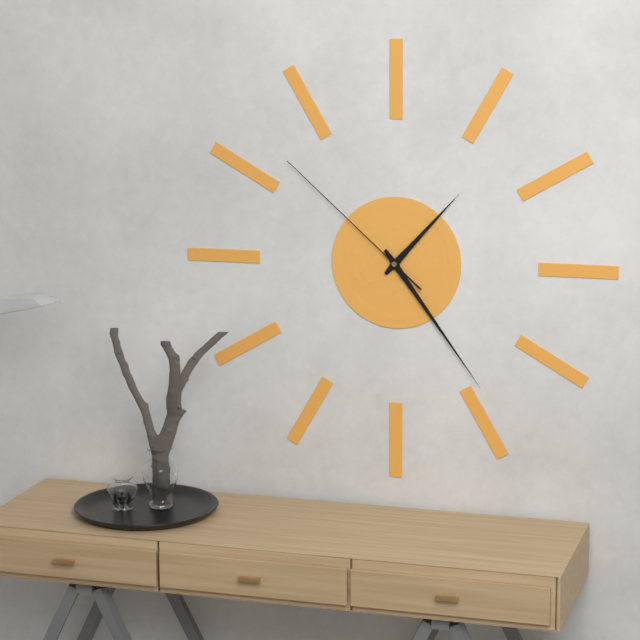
1:24:52
